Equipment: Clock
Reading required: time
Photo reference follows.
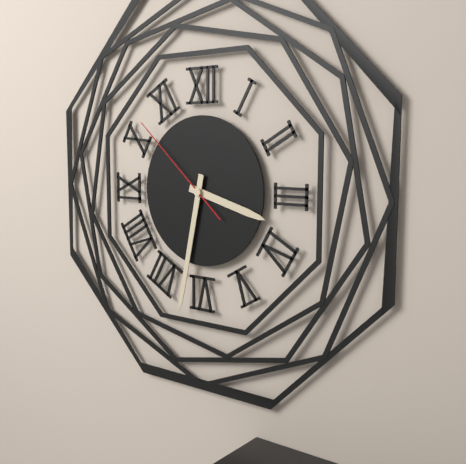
3:32:52
